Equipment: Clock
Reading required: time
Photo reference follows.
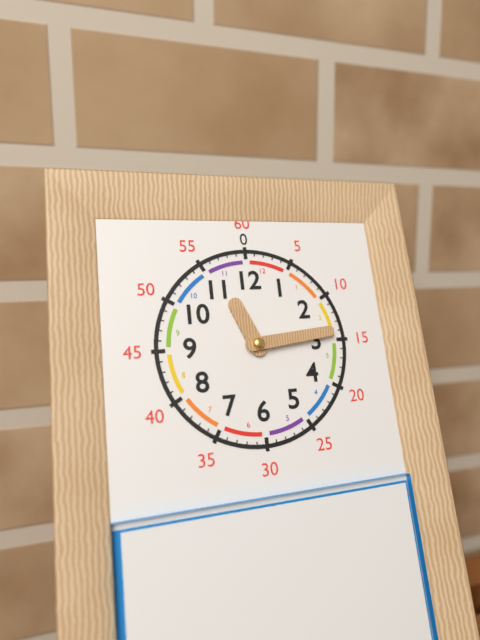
11:14
